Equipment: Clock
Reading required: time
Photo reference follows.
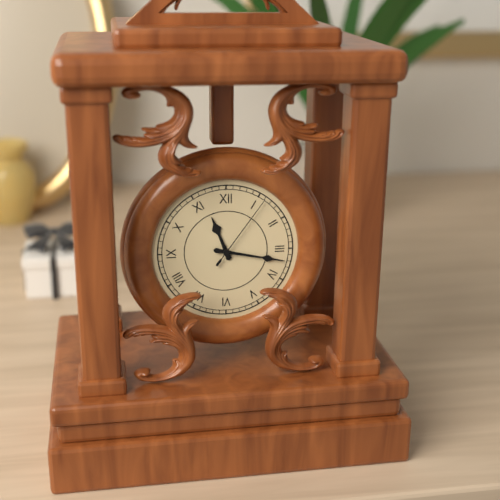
11:17:06
